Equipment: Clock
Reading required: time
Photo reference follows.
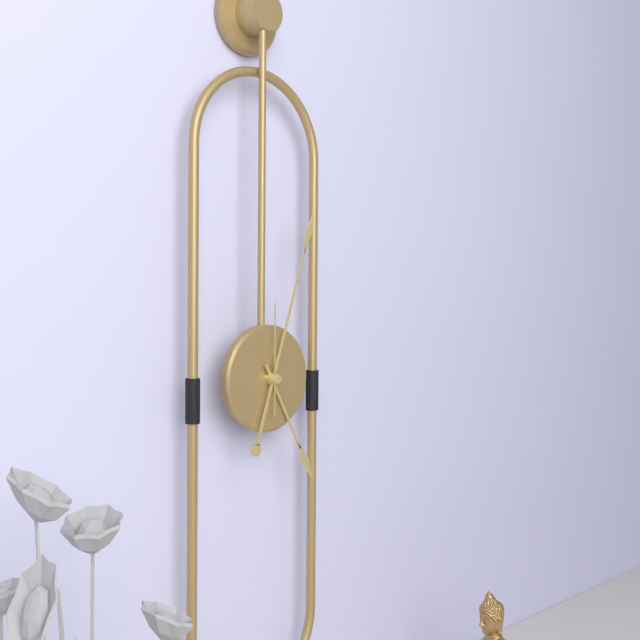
5:03:00
